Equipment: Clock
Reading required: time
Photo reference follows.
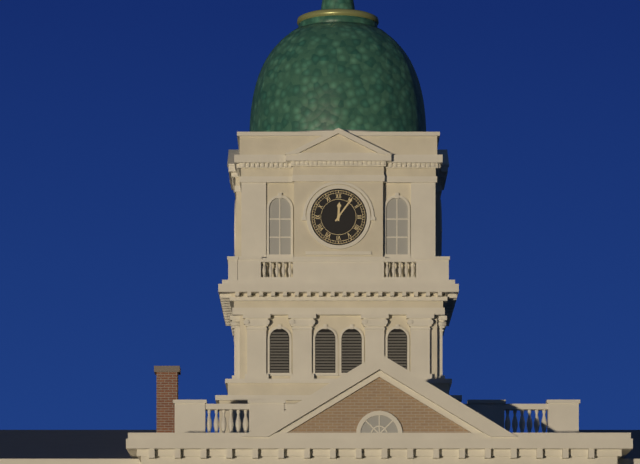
12:06
